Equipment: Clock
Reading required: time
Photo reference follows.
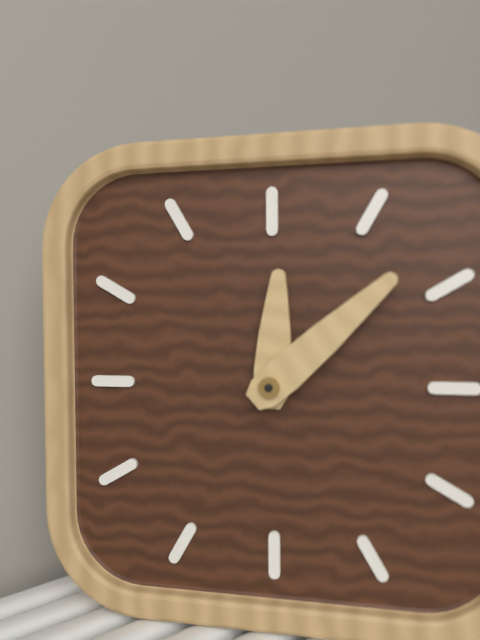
12:08
